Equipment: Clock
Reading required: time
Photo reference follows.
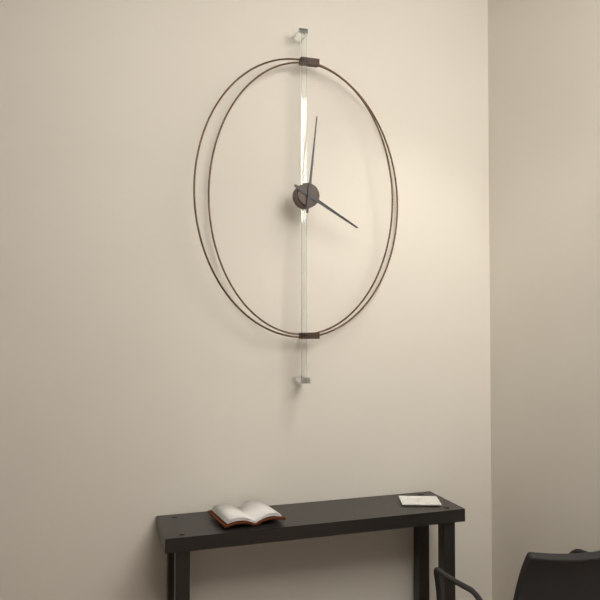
4:01
